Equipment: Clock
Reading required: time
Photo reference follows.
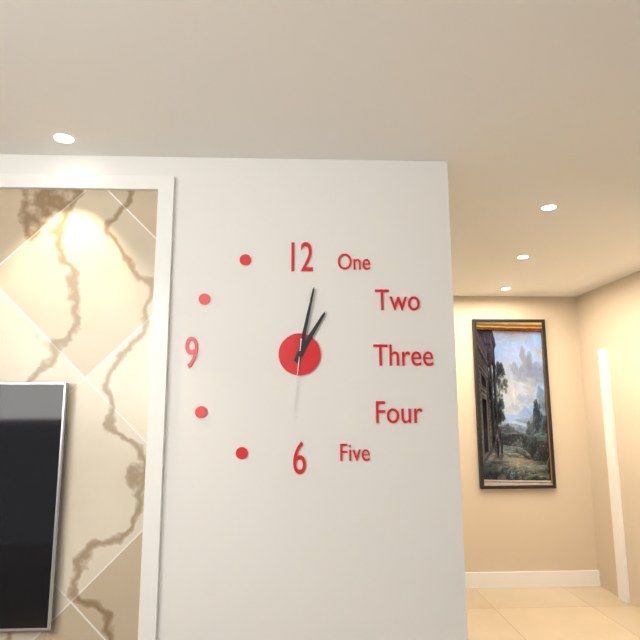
1:02:31
